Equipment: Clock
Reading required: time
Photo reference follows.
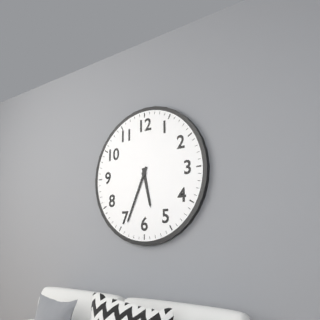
5:34
